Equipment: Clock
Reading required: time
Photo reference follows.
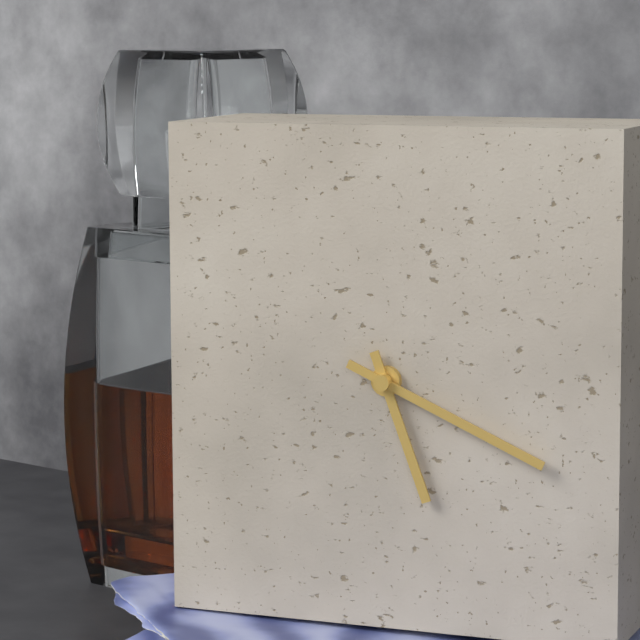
5:19
